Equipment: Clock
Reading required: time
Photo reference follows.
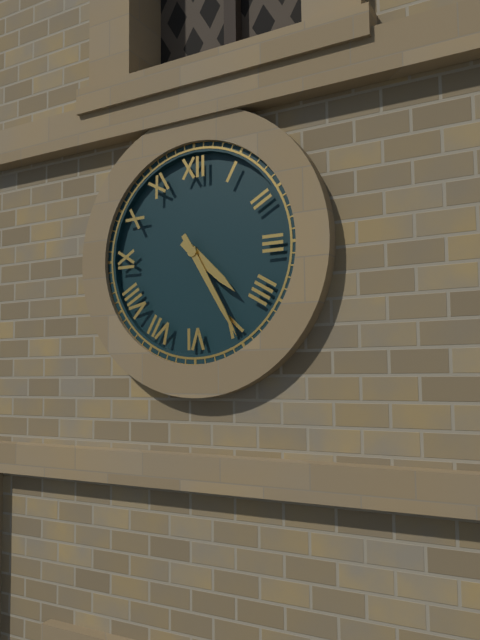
4:25
